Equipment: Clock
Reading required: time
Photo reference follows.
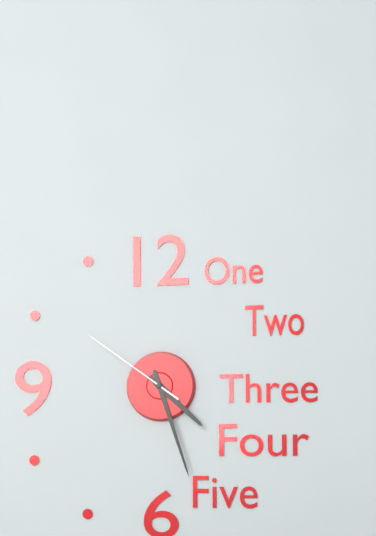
4:27:51
